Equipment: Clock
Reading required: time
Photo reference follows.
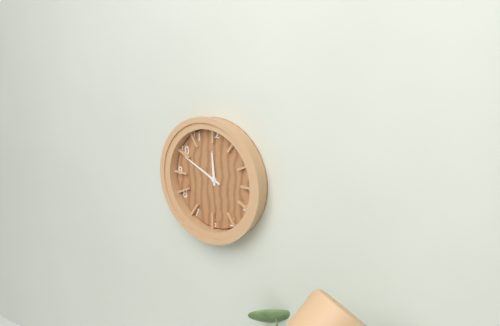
11:49
